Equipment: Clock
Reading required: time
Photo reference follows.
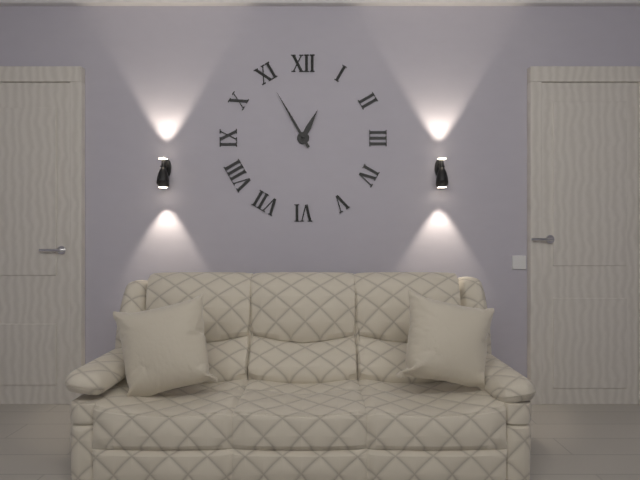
12:55
